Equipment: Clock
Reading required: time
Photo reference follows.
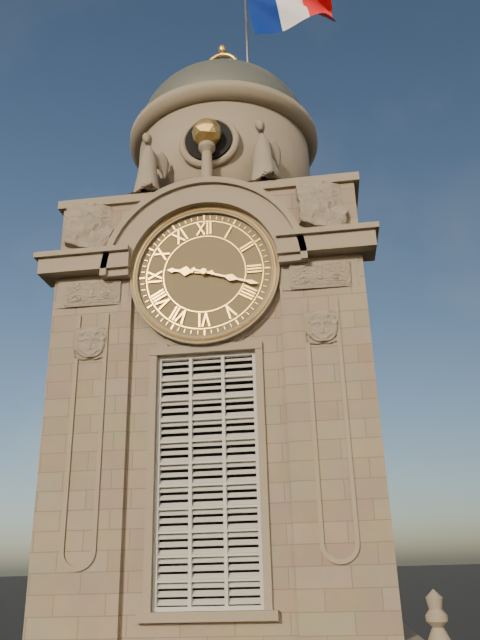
9:18
